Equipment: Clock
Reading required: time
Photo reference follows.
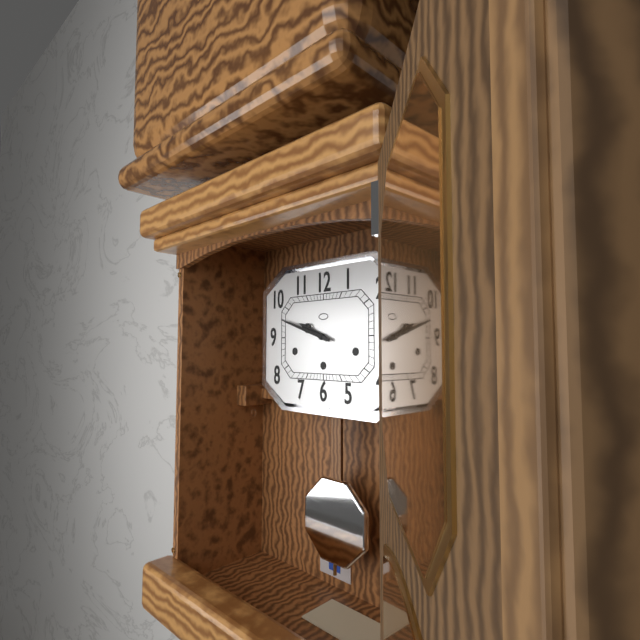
9:48
